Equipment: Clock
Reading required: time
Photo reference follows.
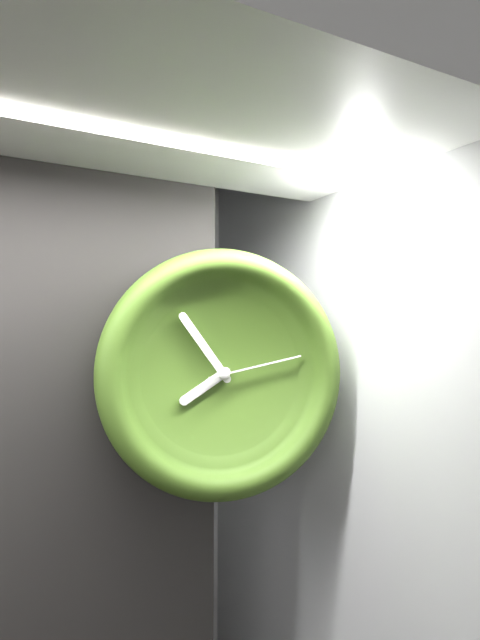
7:54:13
